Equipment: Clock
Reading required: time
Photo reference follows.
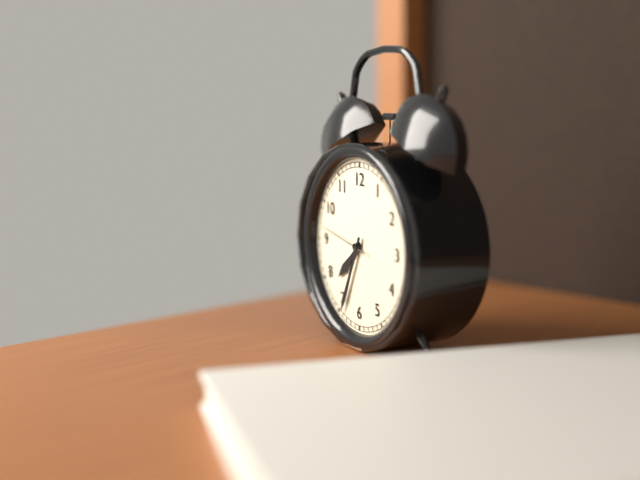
7:34:47
